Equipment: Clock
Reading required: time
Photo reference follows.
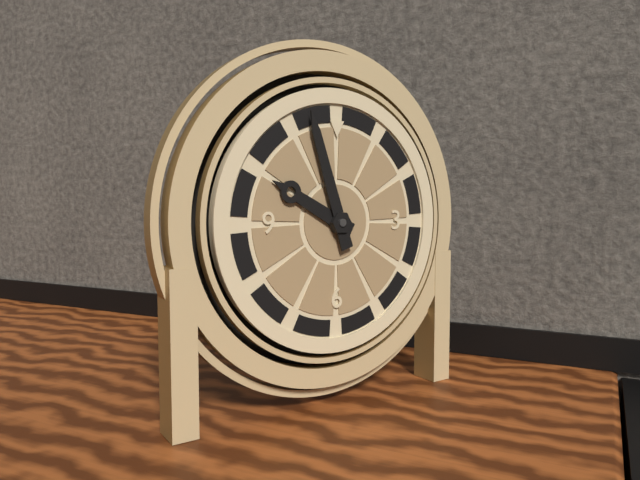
9:57
